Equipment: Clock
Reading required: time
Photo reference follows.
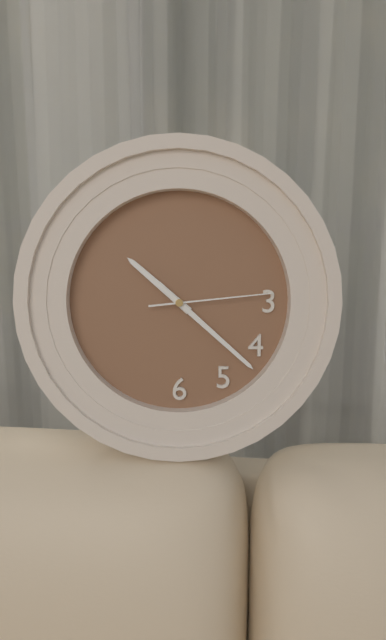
10:22:14
